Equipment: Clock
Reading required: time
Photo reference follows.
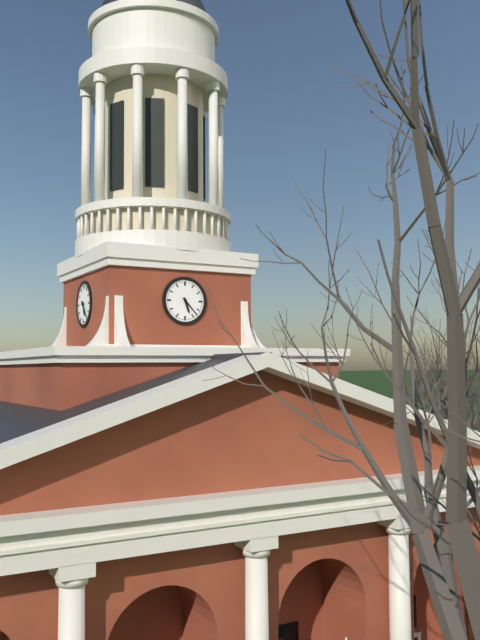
5:23
